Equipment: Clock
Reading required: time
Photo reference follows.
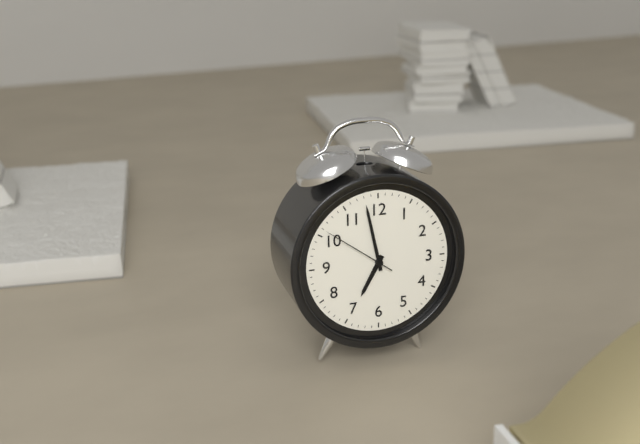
6:58:51
